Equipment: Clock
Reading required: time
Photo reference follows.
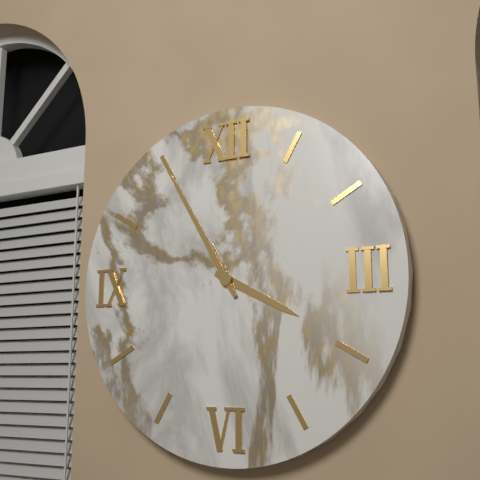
3:55
